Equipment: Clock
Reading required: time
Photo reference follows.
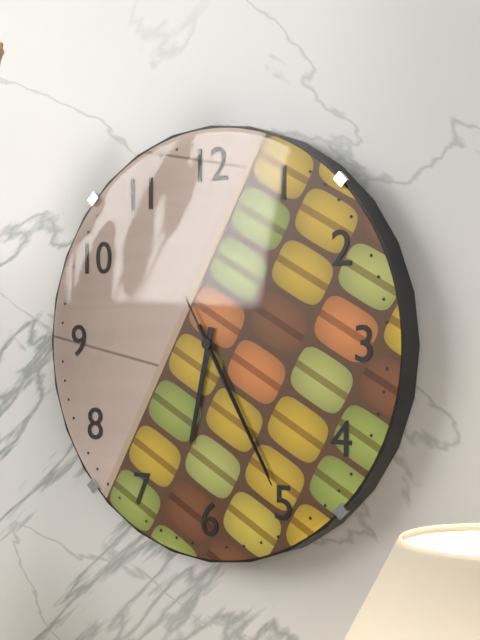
6:25:25
